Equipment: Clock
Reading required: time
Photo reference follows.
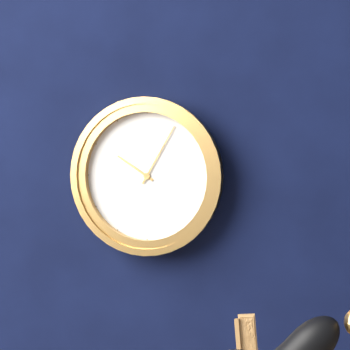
10:05
